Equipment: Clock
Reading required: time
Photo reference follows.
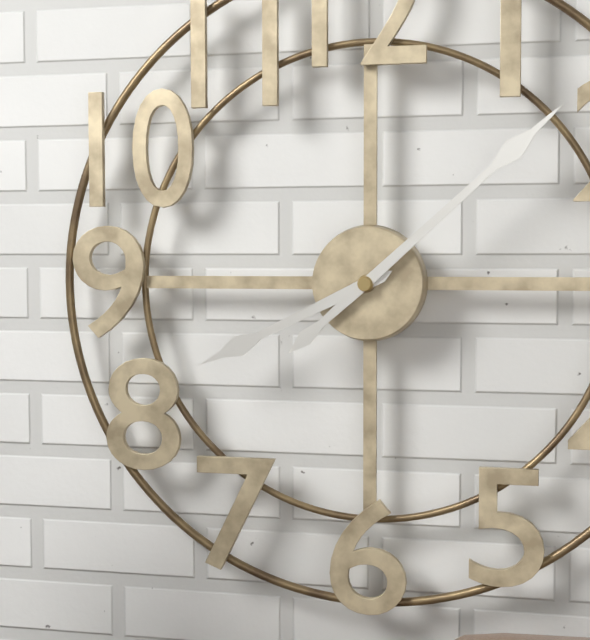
8:08
